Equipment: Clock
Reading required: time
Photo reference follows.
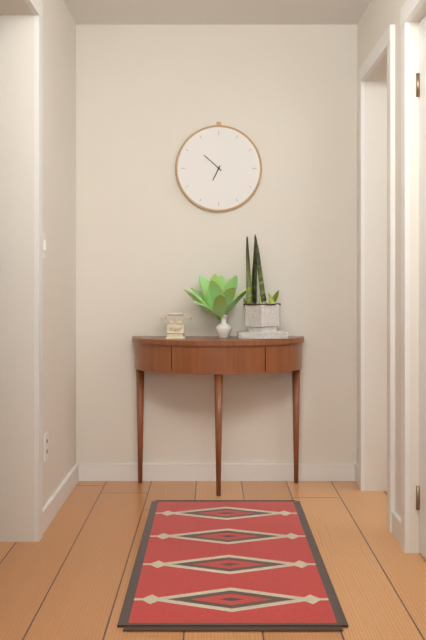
6:52
